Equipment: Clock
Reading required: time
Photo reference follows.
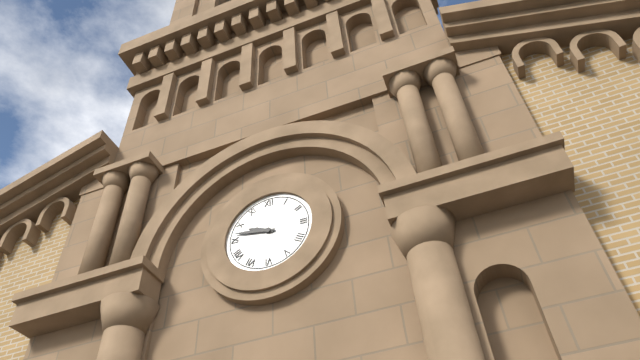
9:47
